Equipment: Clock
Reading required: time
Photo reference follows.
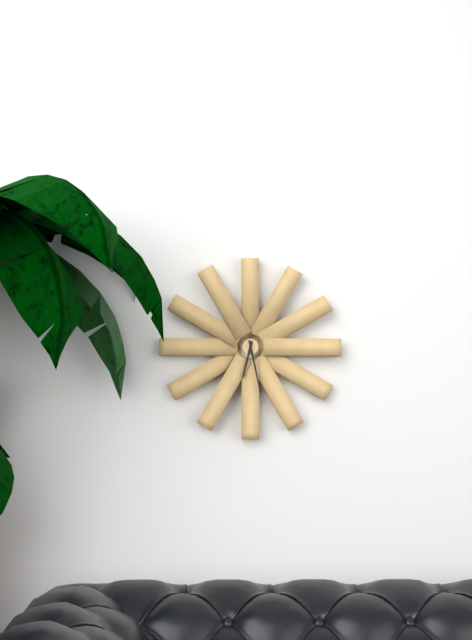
6:28
